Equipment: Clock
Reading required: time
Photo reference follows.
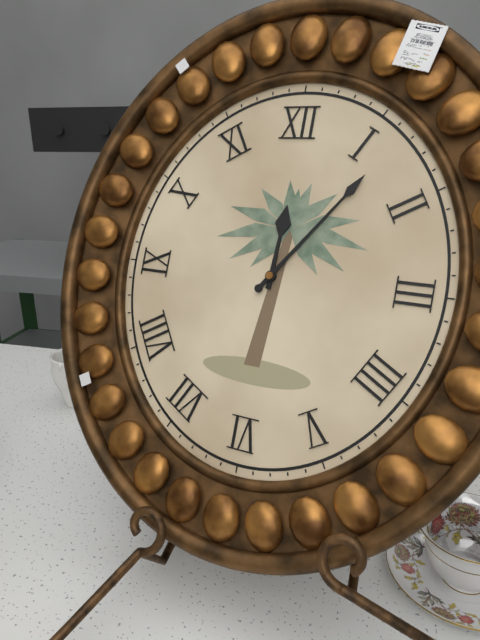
12:06
